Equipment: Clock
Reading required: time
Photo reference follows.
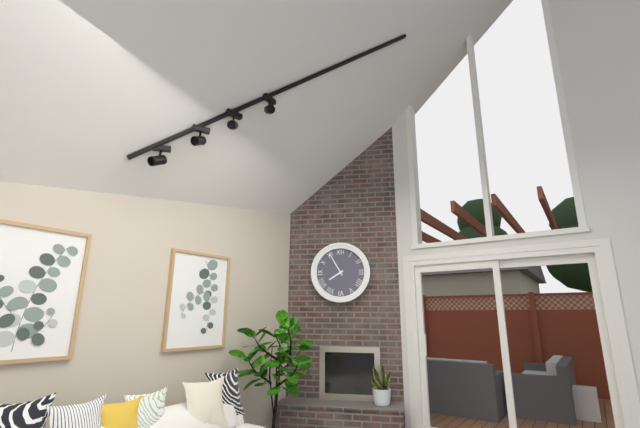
7:55
